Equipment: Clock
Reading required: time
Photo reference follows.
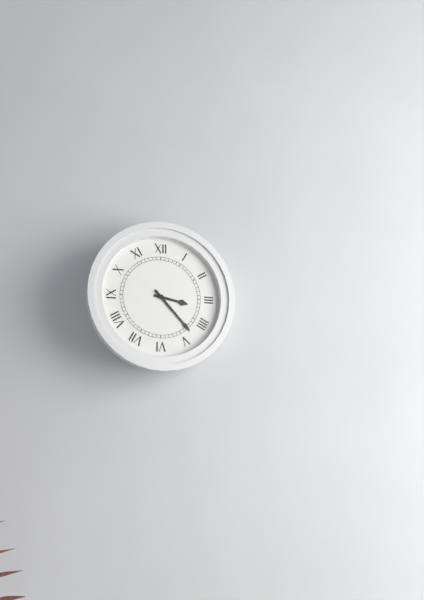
3:23
